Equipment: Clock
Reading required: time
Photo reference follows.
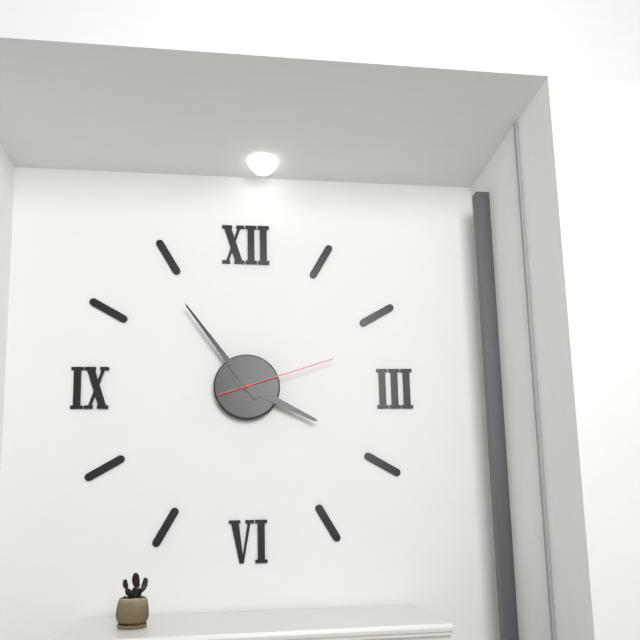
3:54:12
